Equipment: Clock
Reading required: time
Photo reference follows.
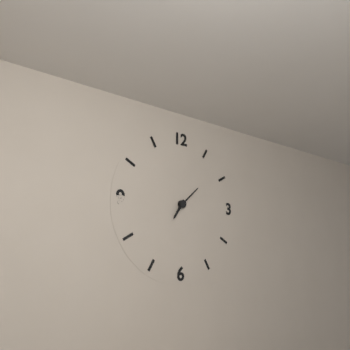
7:08
